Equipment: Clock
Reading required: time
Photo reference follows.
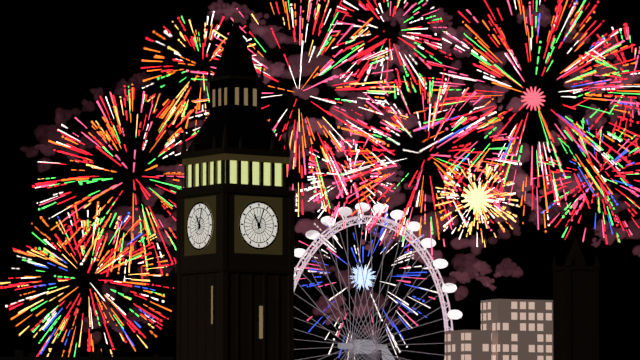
11:03
